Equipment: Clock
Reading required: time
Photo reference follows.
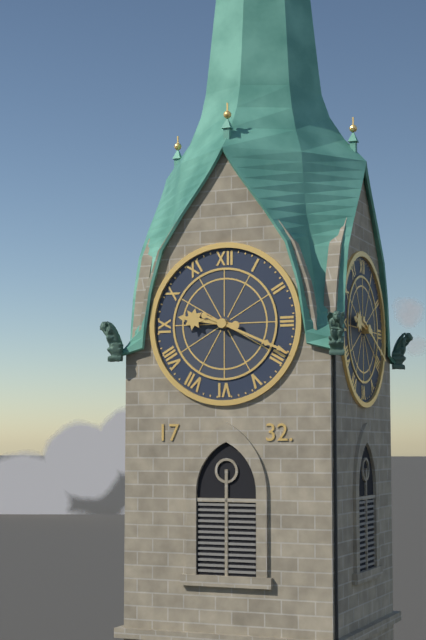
9:19
